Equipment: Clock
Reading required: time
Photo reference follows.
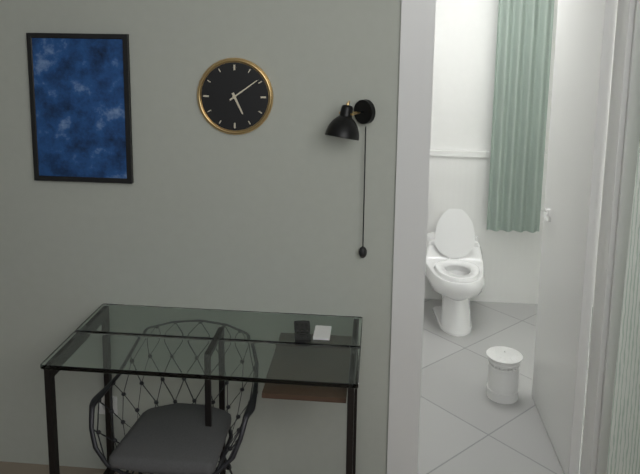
5:09
